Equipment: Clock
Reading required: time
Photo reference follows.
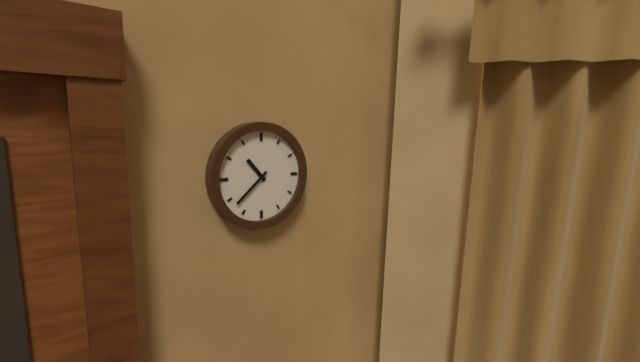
10:38
